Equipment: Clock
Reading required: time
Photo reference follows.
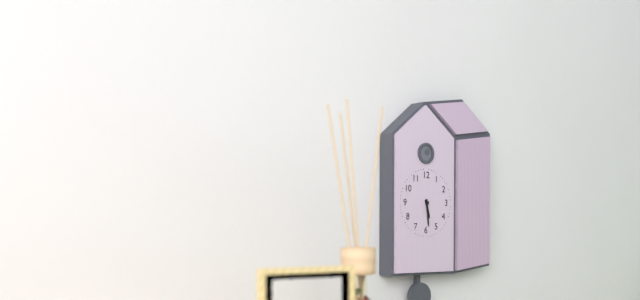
5:29
